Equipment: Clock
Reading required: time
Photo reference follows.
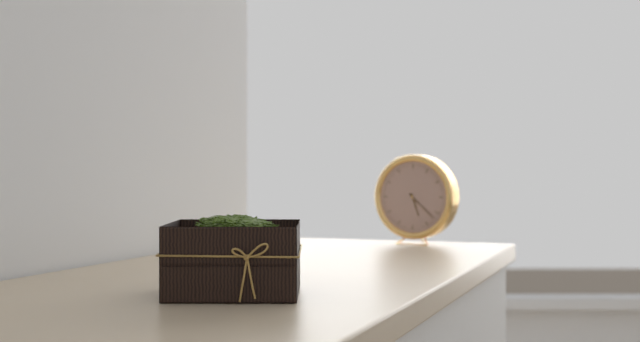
5:22
